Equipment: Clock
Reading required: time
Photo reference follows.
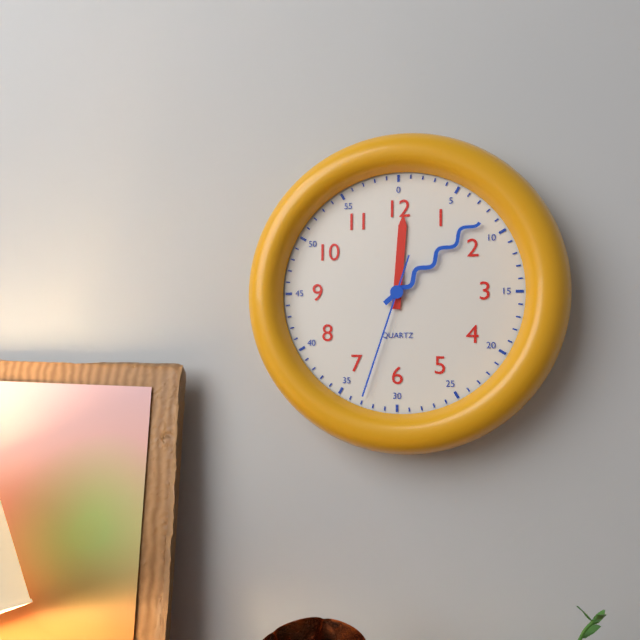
12:08:33
